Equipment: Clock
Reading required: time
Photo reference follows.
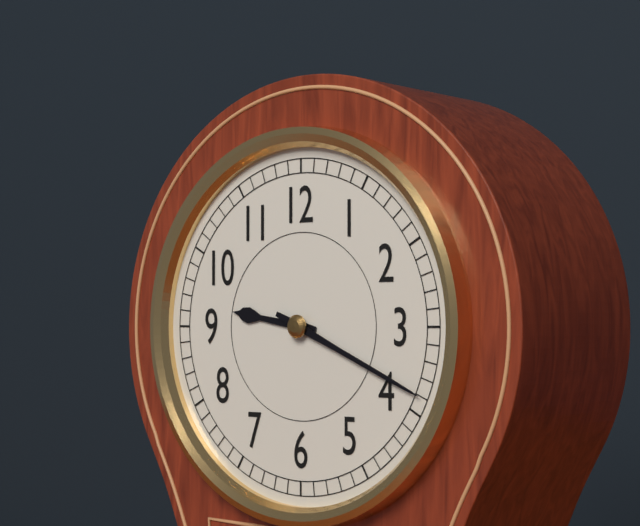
9:19
